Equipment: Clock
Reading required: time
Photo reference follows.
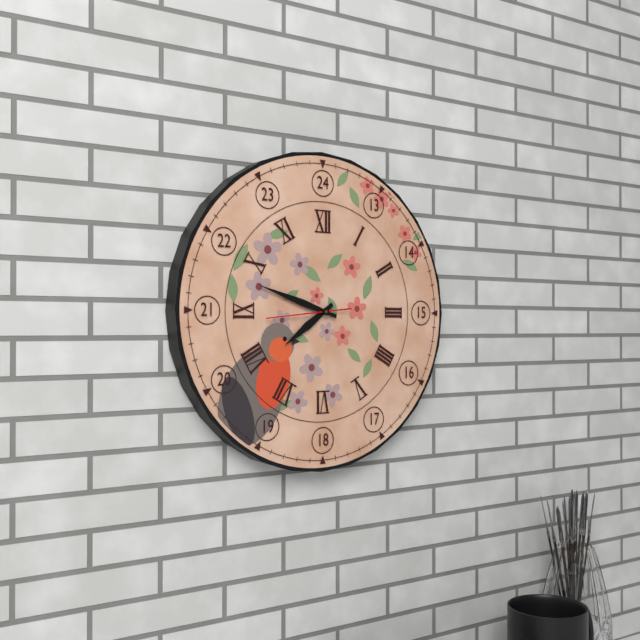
7:48:44
